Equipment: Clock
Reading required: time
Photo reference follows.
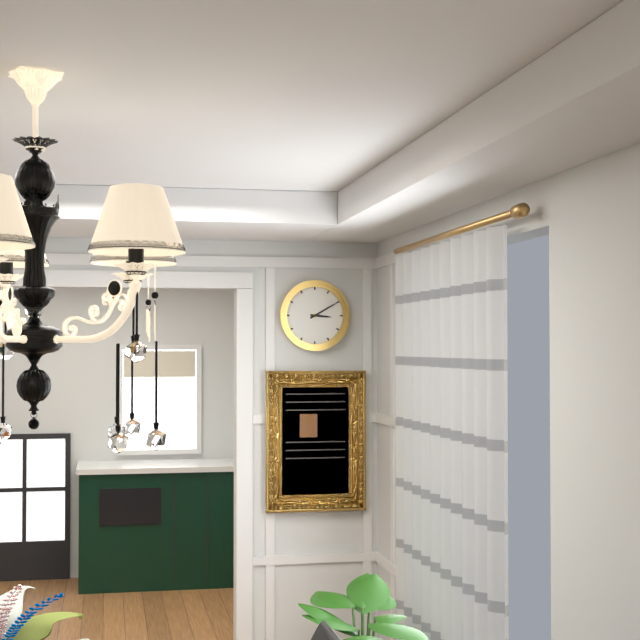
3:10
